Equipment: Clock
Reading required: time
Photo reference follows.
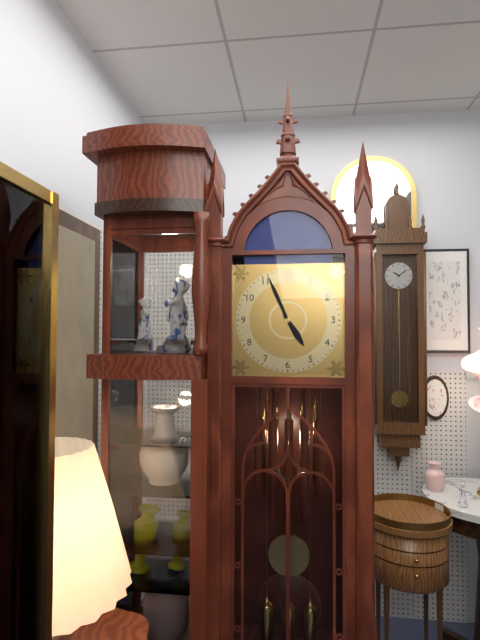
4:56
